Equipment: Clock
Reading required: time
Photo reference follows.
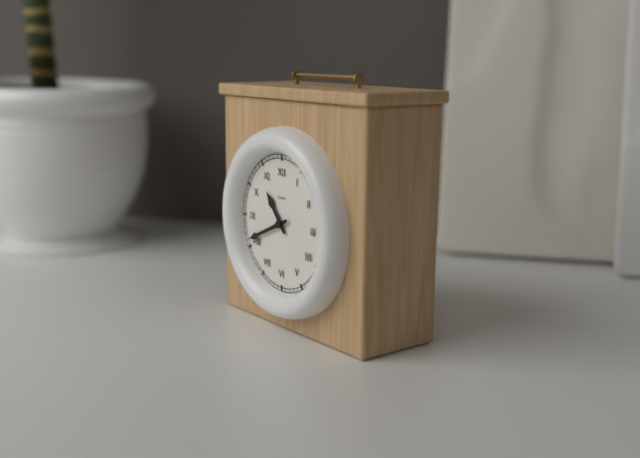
10:41
